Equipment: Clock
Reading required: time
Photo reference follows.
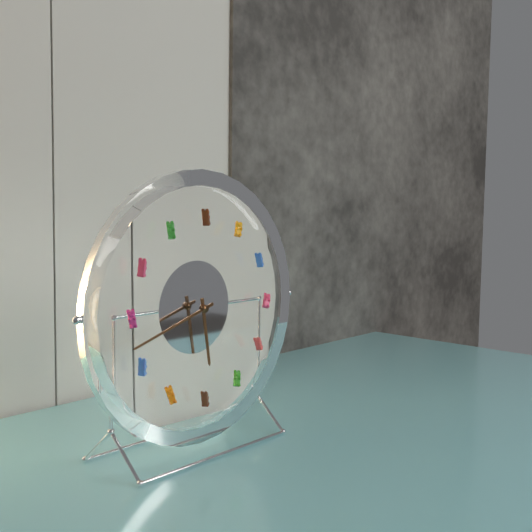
5:42
